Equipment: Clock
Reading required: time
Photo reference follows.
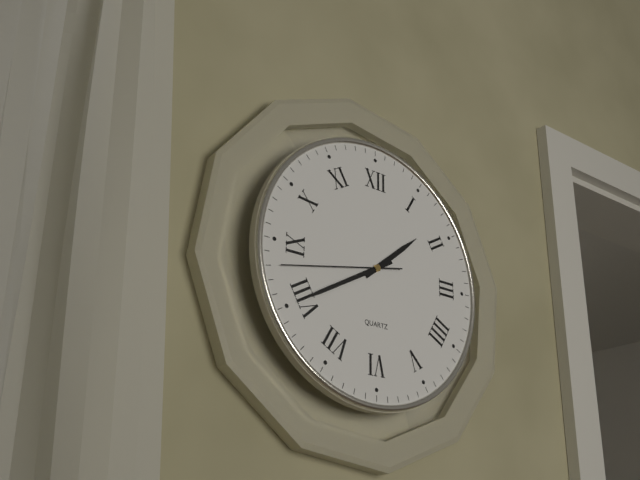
1:40:43
